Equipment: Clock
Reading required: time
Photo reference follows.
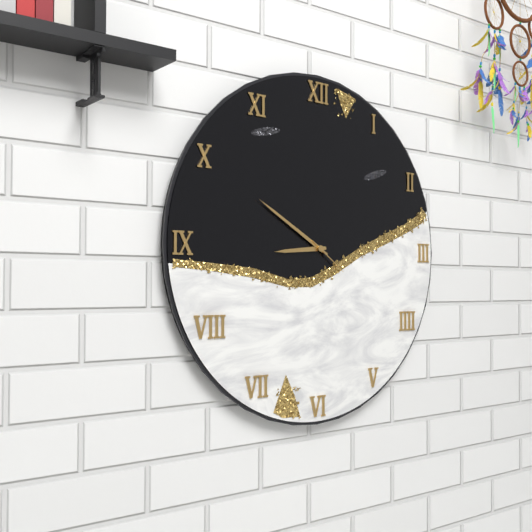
8:50:21
